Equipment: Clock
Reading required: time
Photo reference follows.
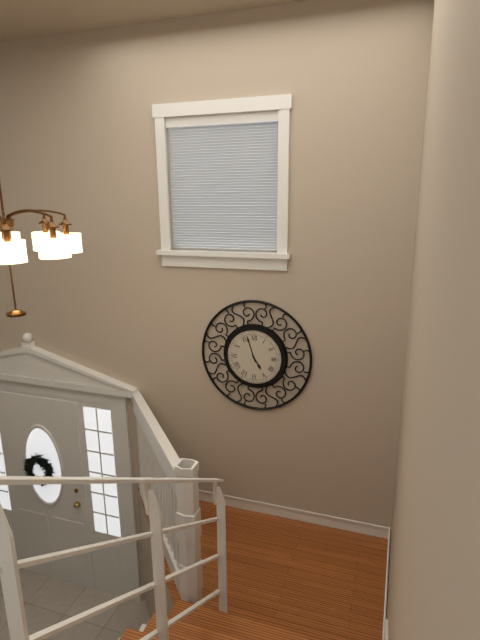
4:57
